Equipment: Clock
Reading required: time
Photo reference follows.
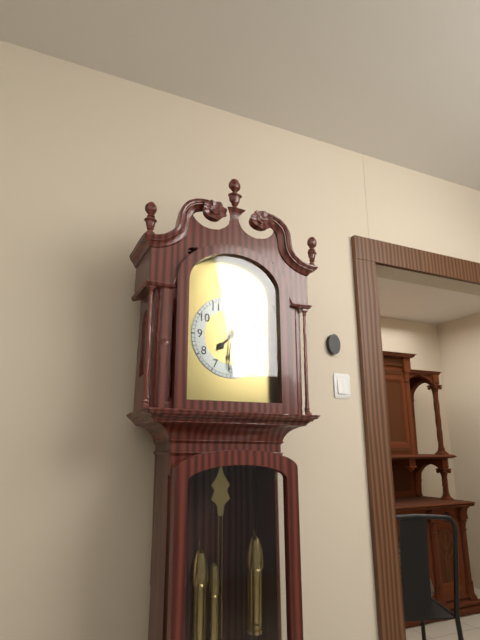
7:31
